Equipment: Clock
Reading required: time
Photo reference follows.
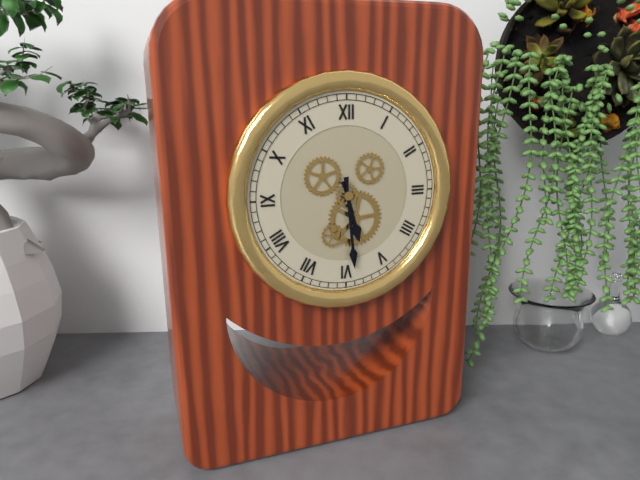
5:29
